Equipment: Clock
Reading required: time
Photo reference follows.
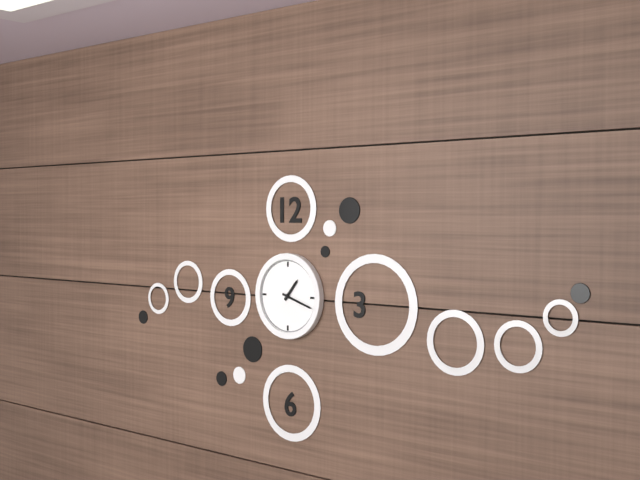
1:18
